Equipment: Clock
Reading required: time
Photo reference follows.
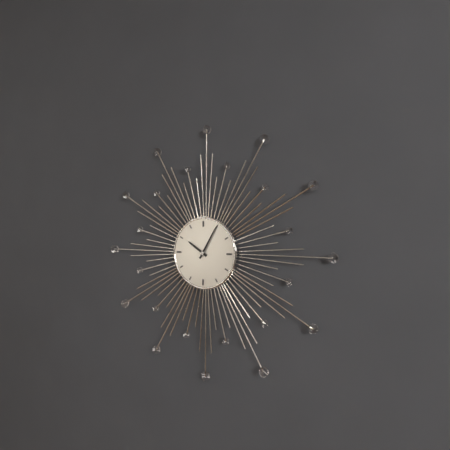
10:05
